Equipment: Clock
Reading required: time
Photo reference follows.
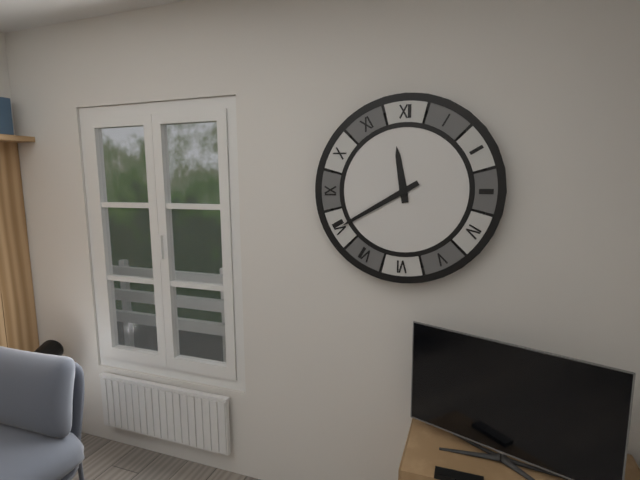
11:40
